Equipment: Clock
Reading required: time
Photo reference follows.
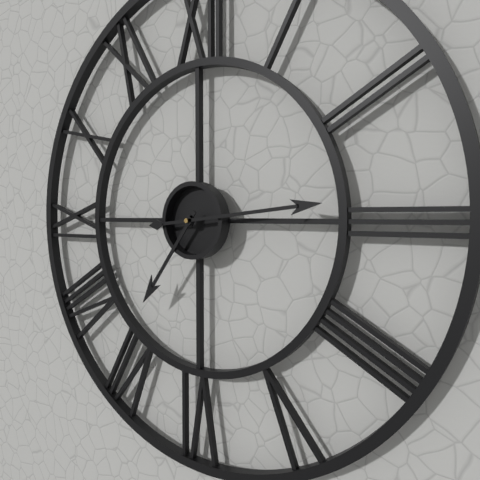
7:14
